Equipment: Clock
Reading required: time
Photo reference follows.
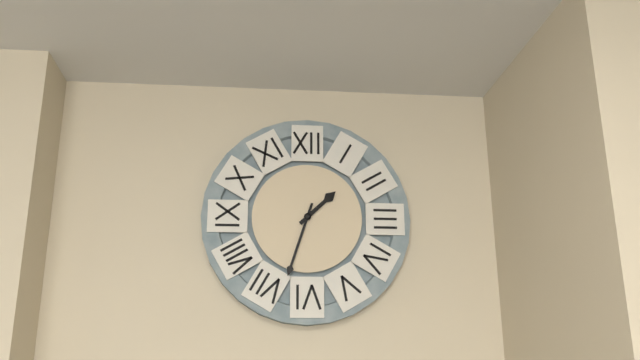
1:33
